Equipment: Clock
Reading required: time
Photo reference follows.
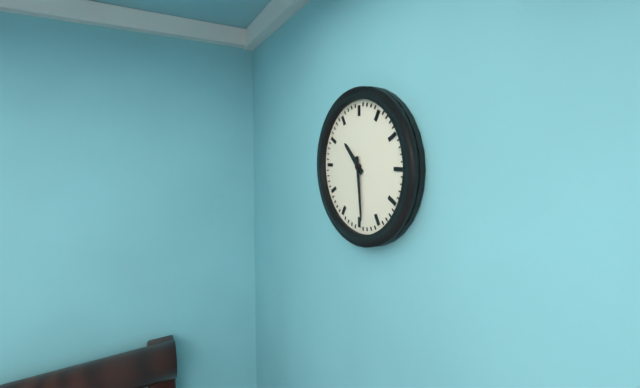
10:29
